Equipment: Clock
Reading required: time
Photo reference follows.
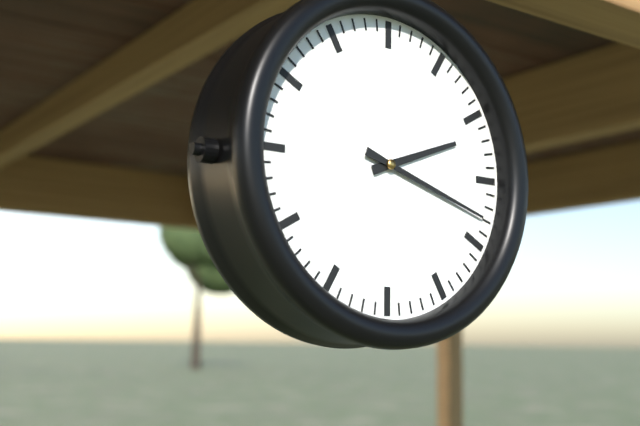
2:18
